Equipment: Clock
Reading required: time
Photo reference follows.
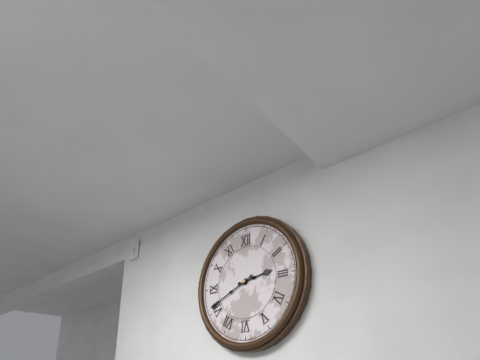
2:41
